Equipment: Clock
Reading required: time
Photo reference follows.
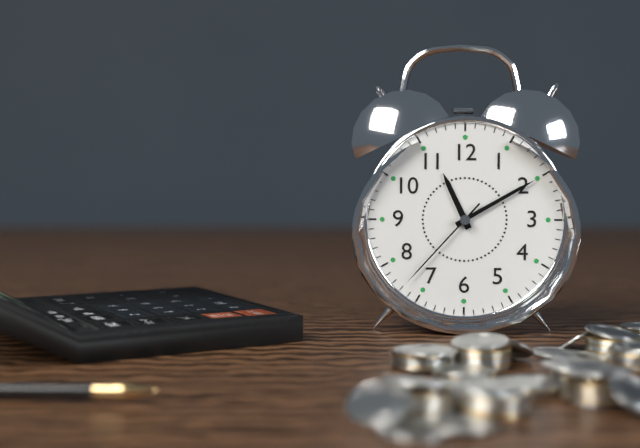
11:10:37
